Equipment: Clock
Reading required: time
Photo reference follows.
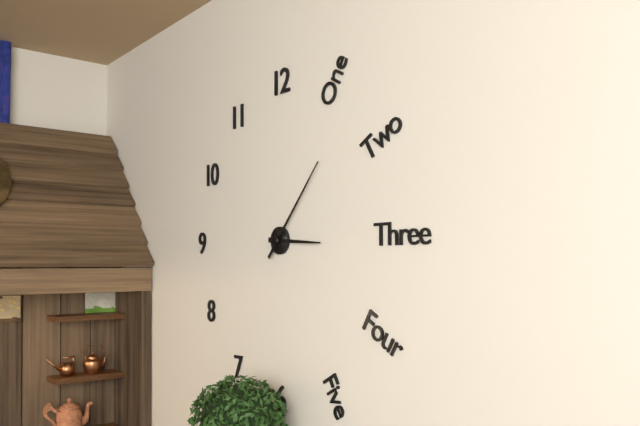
3:07
